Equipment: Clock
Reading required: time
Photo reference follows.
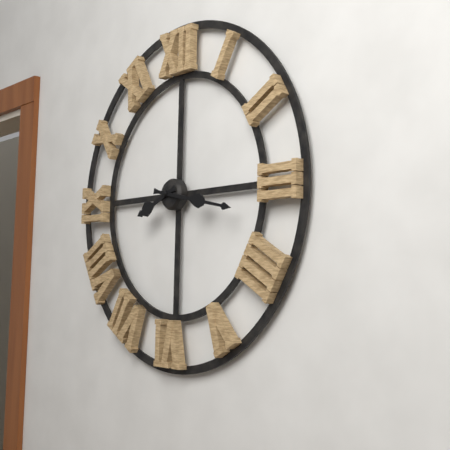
8:17
